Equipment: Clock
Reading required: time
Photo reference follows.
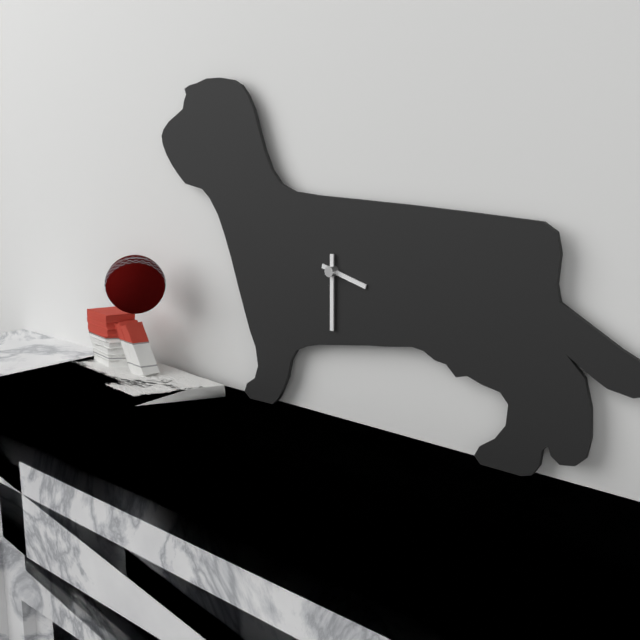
3:30
